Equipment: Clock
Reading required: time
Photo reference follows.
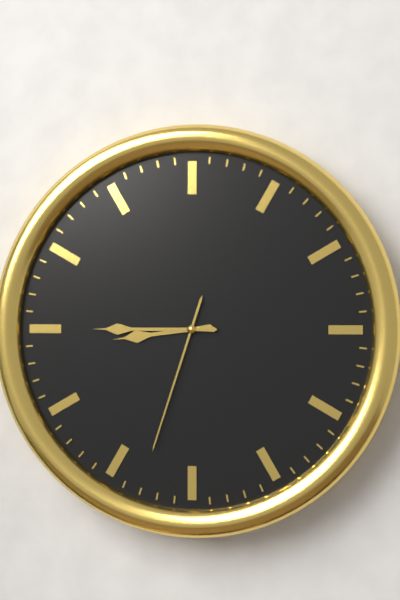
8:45:33
